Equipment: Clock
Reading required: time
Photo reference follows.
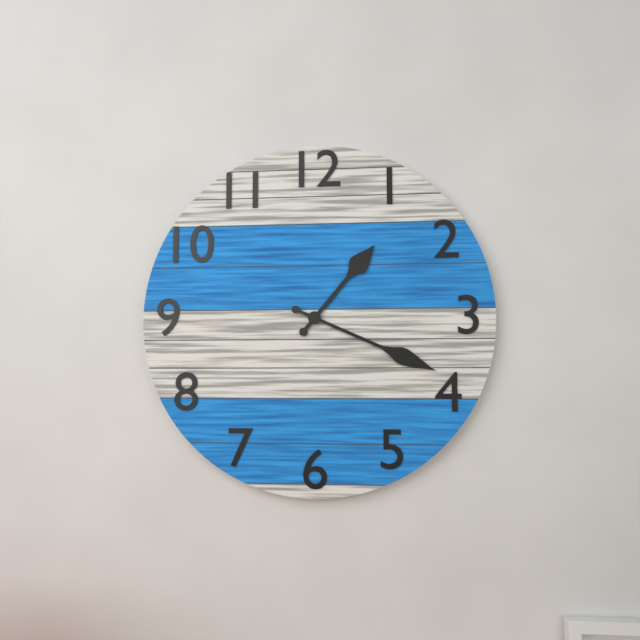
1:19
